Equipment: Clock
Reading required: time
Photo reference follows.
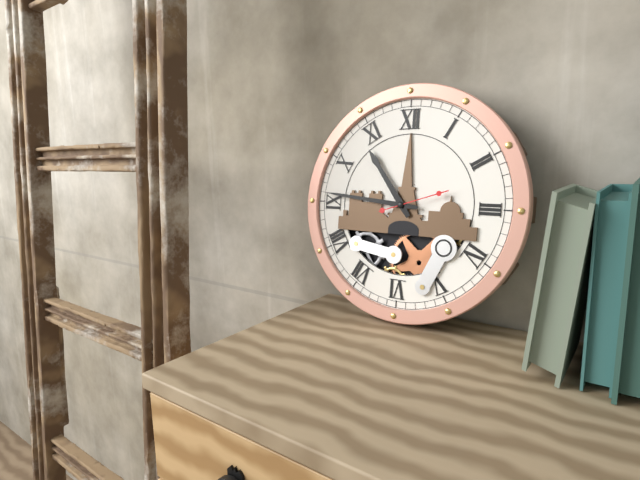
10:46:12
